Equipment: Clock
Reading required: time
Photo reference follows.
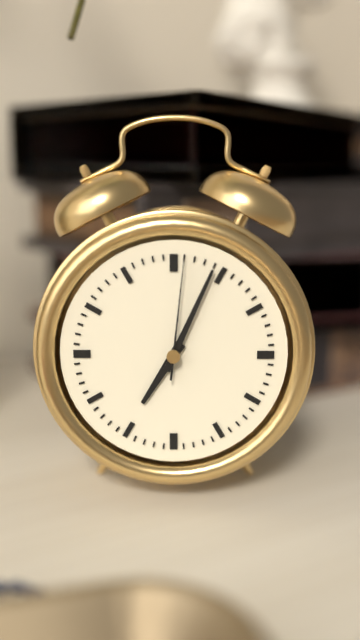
7:04:01
